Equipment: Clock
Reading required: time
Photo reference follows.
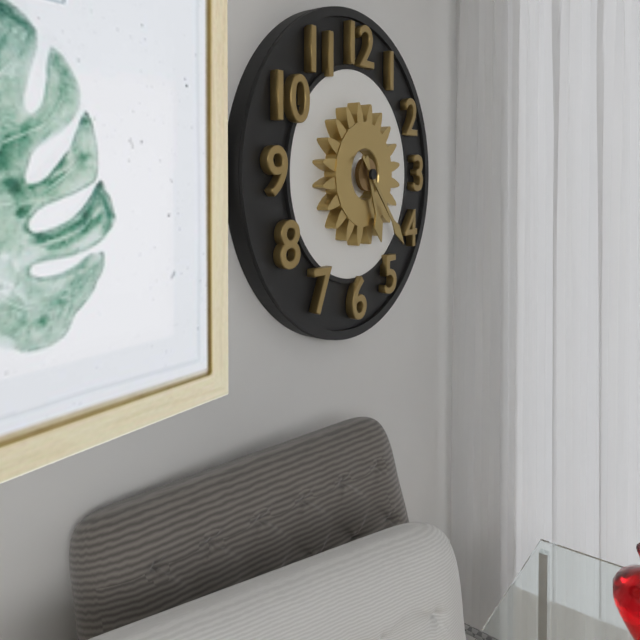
5:23
